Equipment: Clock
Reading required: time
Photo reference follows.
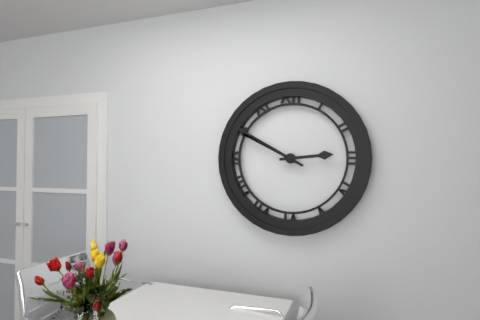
2:50
